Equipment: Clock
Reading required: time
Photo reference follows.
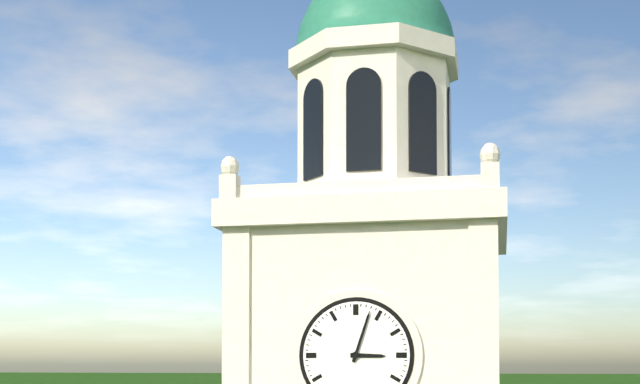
3:03
